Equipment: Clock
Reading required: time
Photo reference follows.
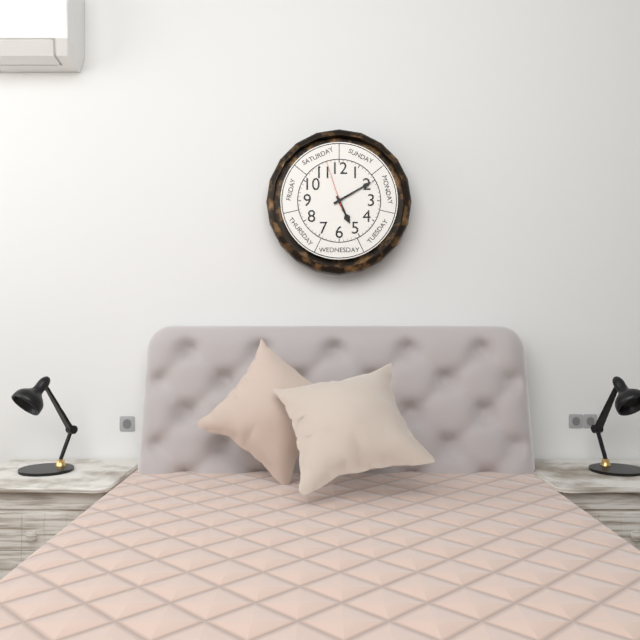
5:10:57
